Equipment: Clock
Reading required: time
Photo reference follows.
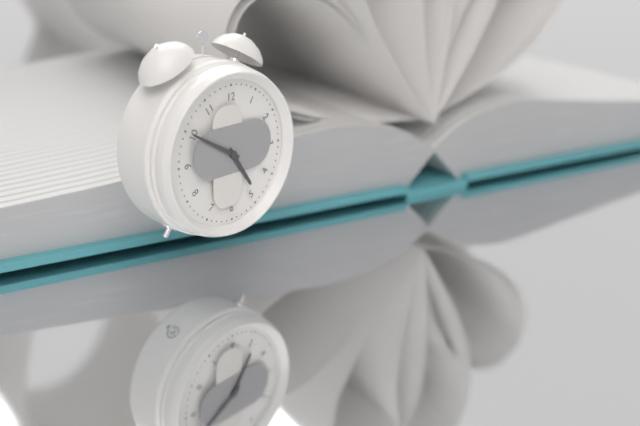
4:50
